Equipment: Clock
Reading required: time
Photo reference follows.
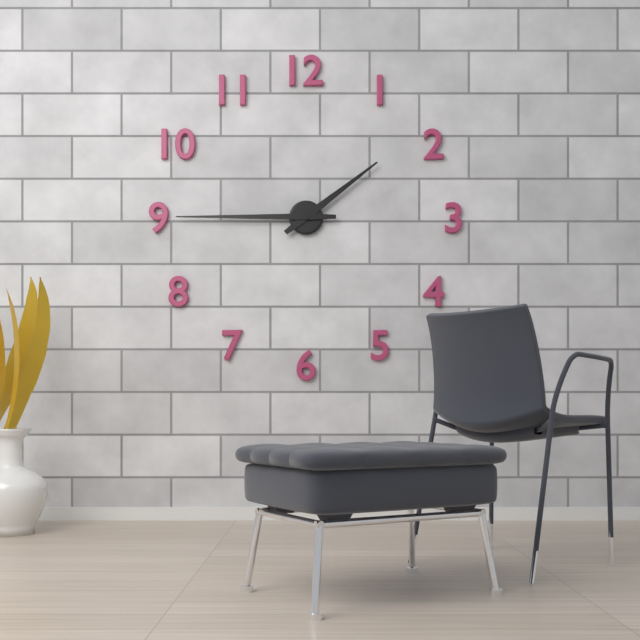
1:45
